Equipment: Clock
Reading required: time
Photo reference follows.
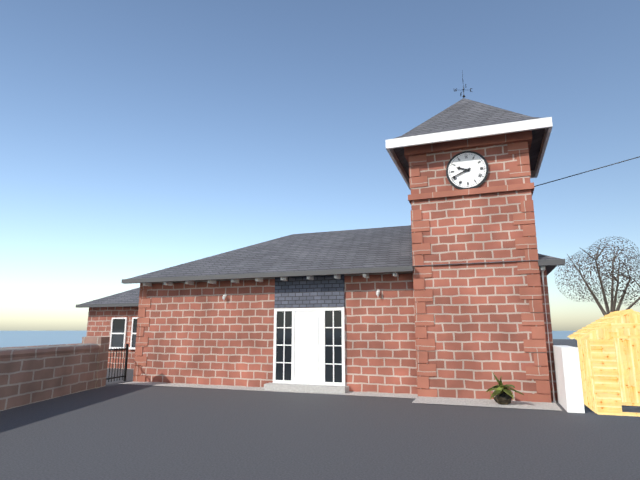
9:41
